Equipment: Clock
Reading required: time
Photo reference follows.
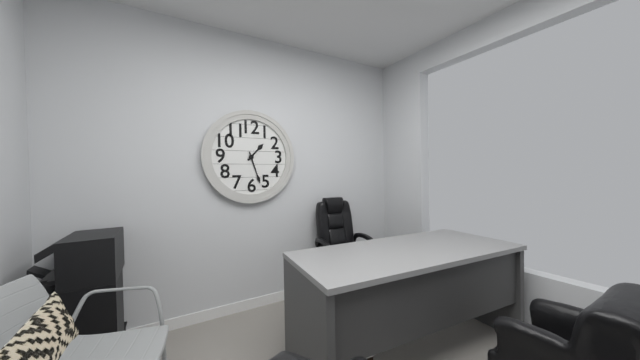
1:27
